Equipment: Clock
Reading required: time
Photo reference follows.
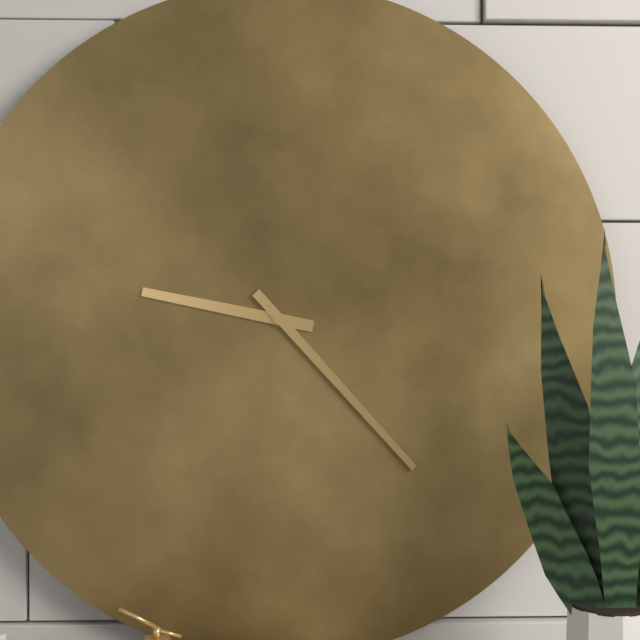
9:23
